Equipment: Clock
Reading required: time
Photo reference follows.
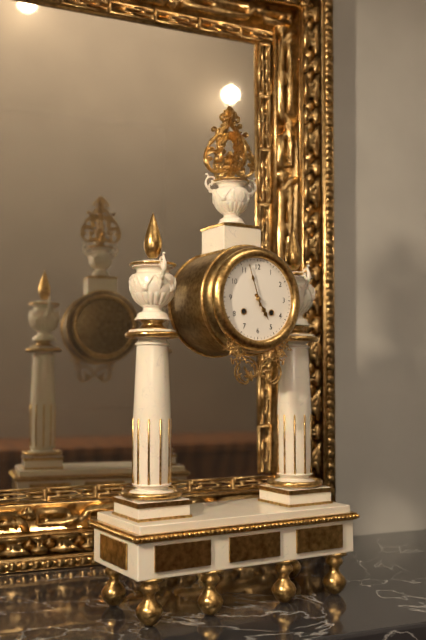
4:57
